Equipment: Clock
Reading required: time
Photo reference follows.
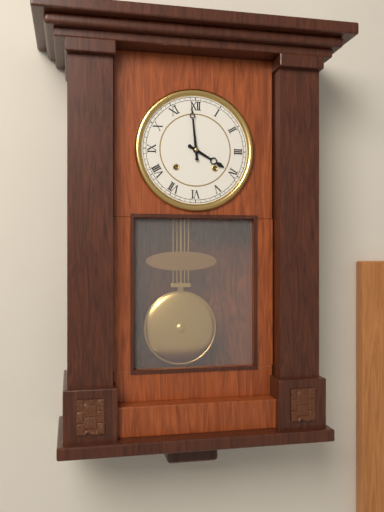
3:59
